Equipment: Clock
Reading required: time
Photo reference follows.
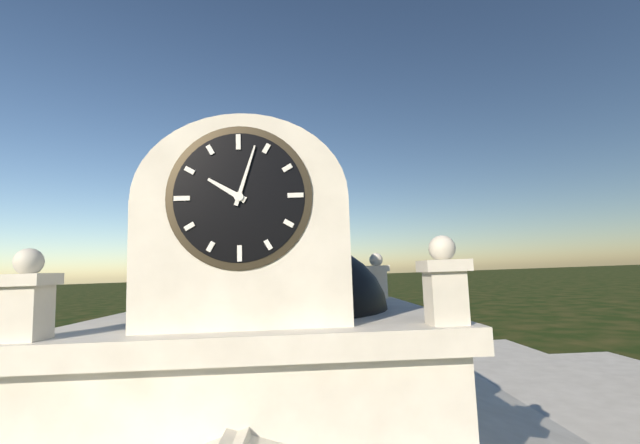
10:03
